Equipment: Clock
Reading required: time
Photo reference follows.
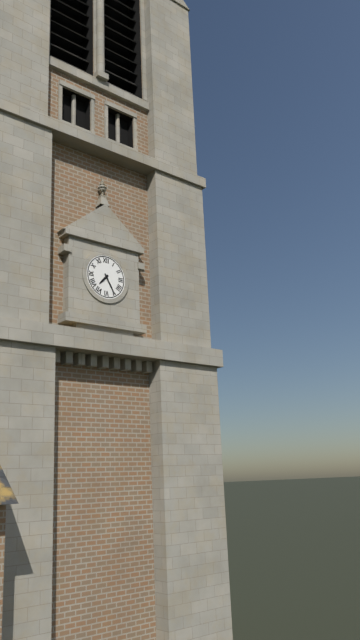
7:25
